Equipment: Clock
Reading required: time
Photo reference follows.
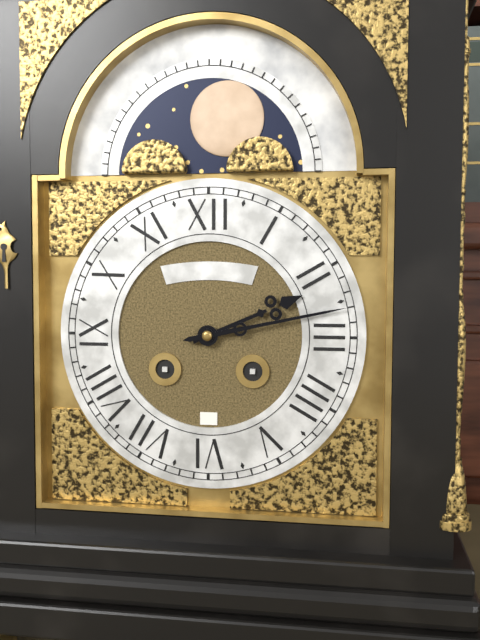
2:13
